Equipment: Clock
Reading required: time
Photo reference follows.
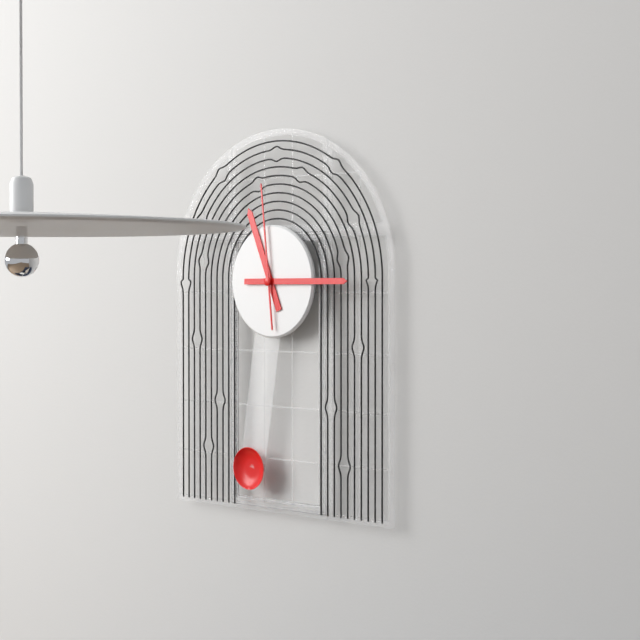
11:15:59
